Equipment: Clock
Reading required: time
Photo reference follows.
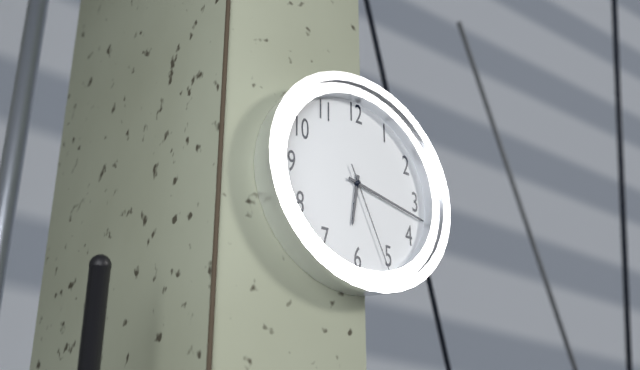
6:17:26
